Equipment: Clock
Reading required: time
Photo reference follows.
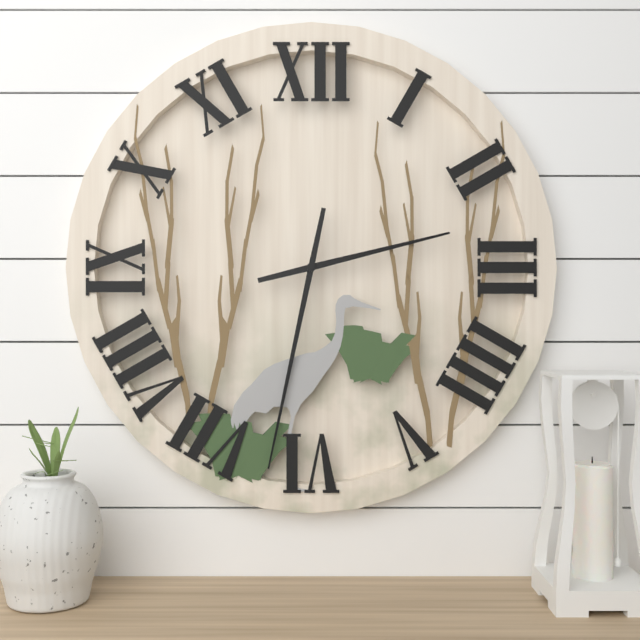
2:32
